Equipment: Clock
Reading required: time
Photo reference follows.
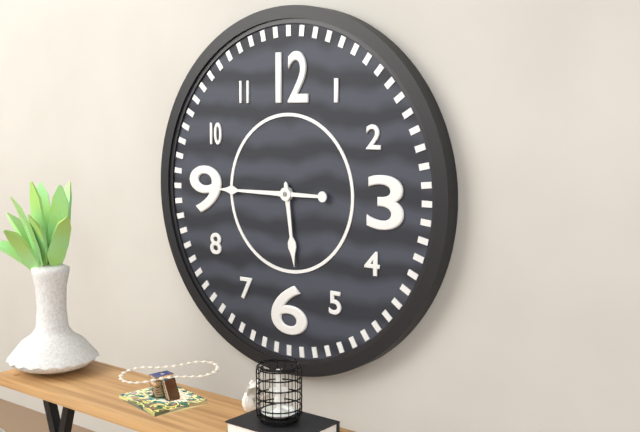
5:45
